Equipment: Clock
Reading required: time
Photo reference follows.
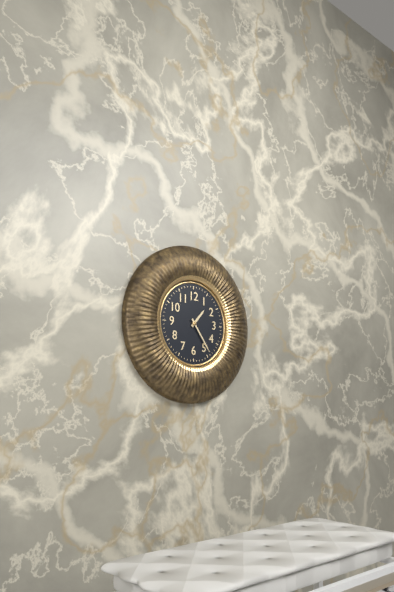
1:24
